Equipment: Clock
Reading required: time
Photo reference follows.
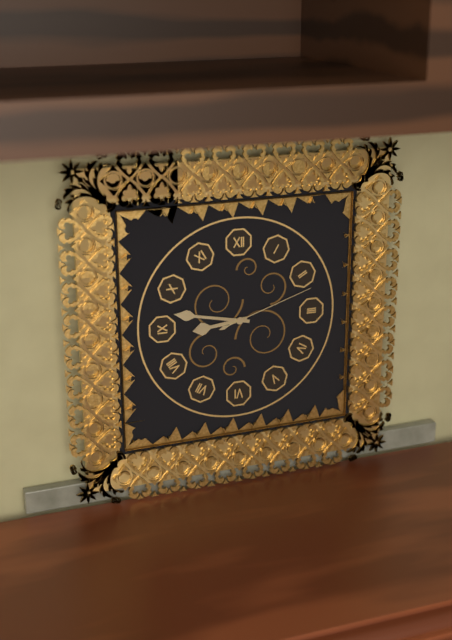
8:47:12
